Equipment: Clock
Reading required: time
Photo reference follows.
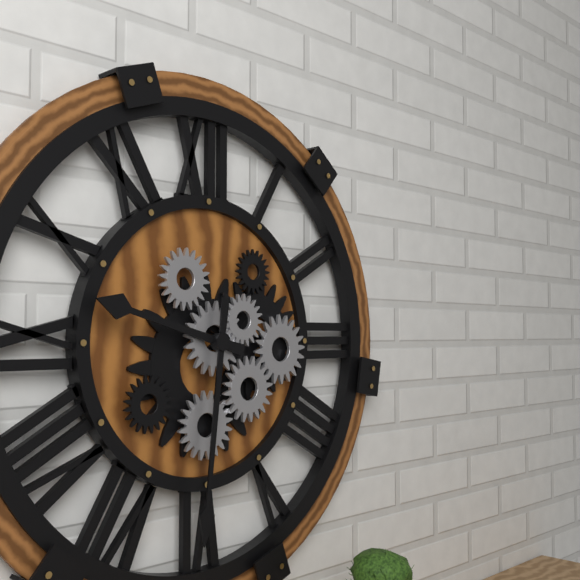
9:31
